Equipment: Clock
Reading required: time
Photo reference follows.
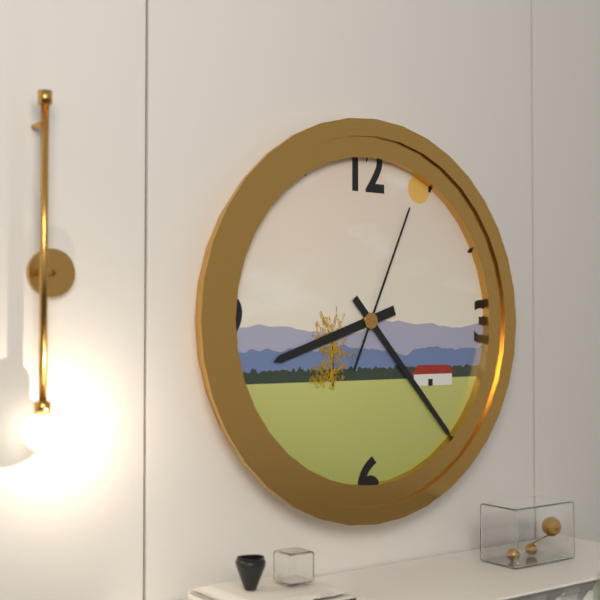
8:23:04
